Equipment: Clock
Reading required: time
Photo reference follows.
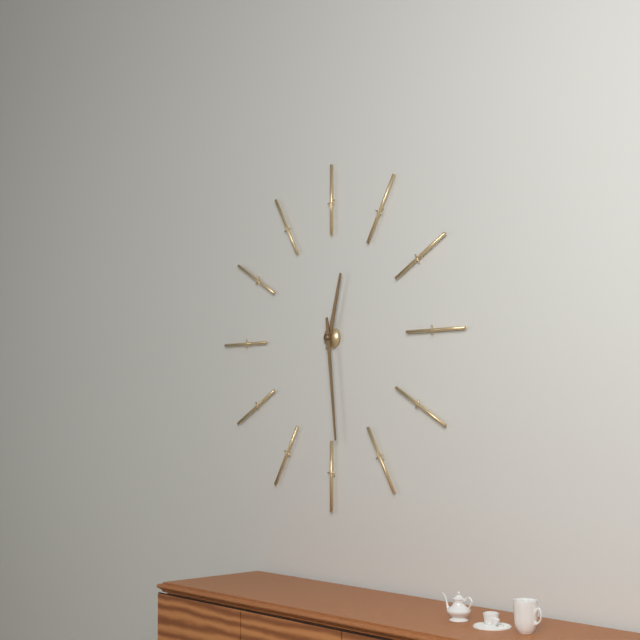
12:29
